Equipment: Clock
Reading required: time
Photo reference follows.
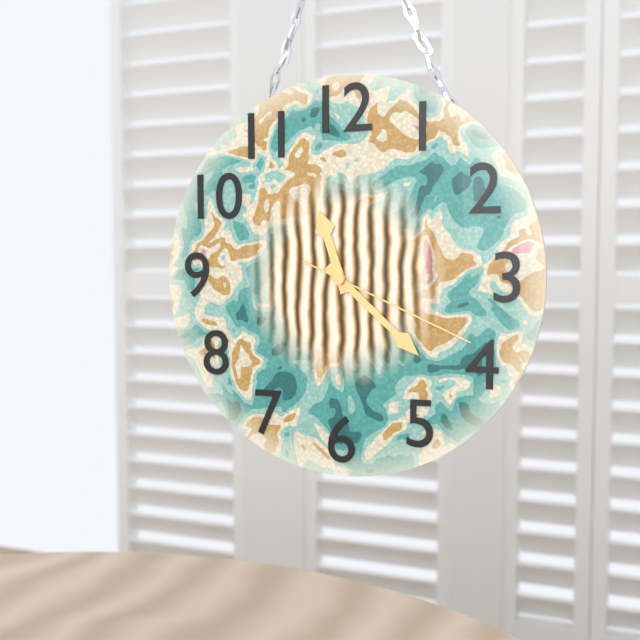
11:22:19
